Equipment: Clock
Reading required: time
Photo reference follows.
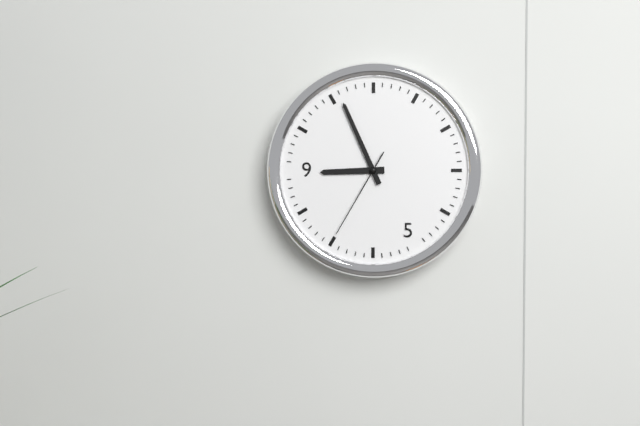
8:56:35
